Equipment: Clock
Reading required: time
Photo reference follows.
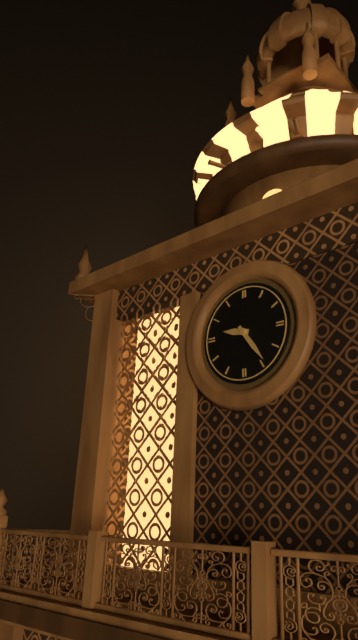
9:24
